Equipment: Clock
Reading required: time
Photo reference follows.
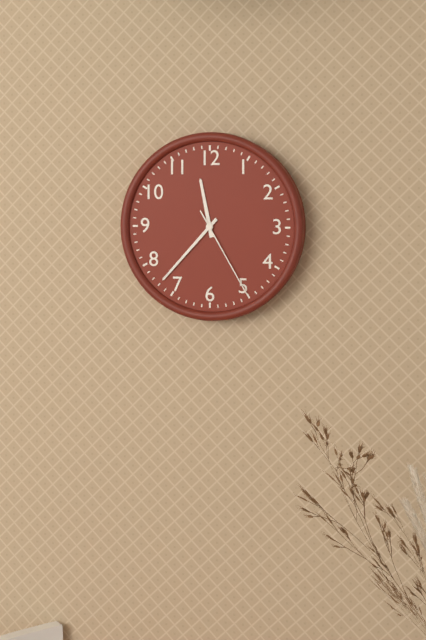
11:37:25
